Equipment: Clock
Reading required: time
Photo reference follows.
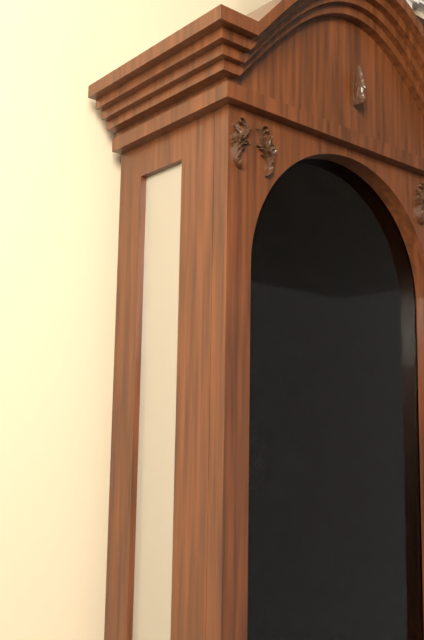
7:01
